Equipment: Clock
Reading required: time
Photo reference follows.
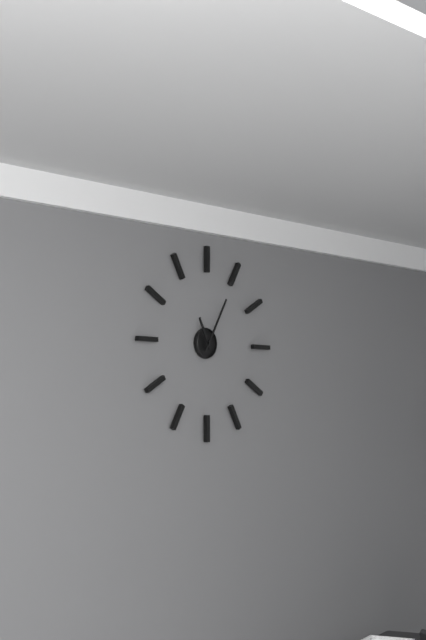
11:05
